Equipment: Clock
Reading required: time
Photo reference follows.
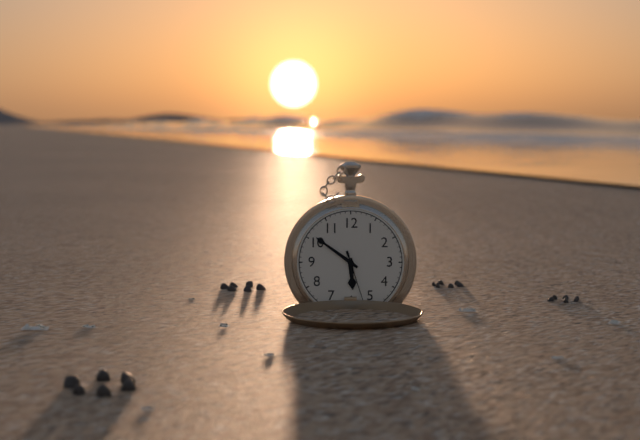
5:51:27
